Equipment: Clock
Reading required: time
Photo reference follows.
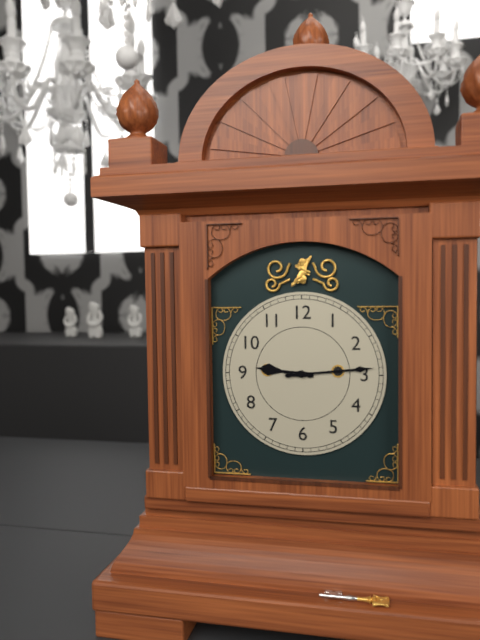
9:14
